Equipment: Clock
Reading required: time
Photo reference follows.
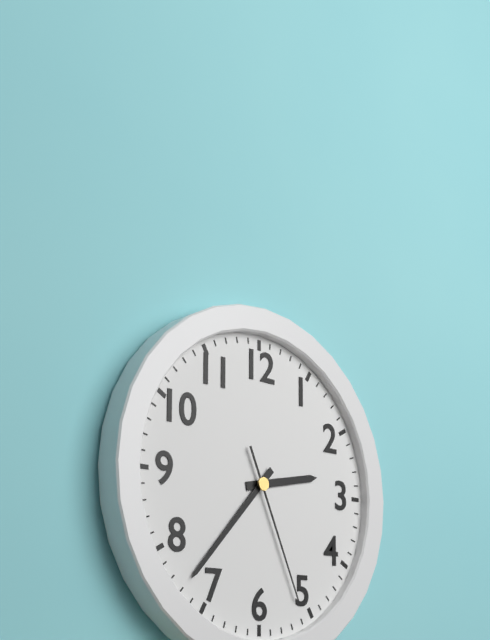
2:37:26
